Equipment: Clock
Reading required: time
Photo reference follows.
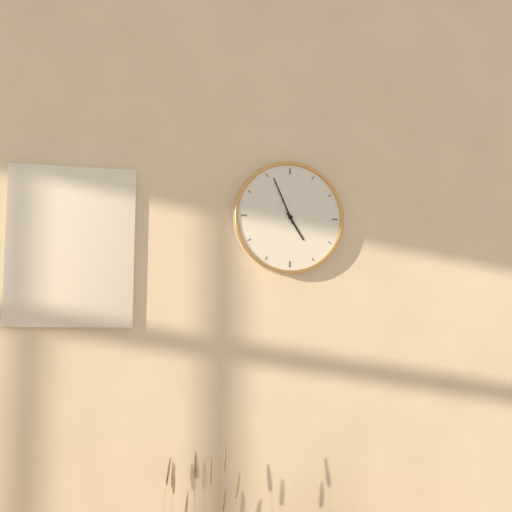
4:56
